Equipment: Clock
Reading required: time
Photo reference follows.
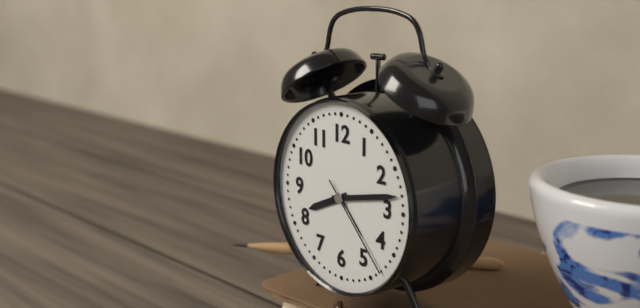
8:13:23
